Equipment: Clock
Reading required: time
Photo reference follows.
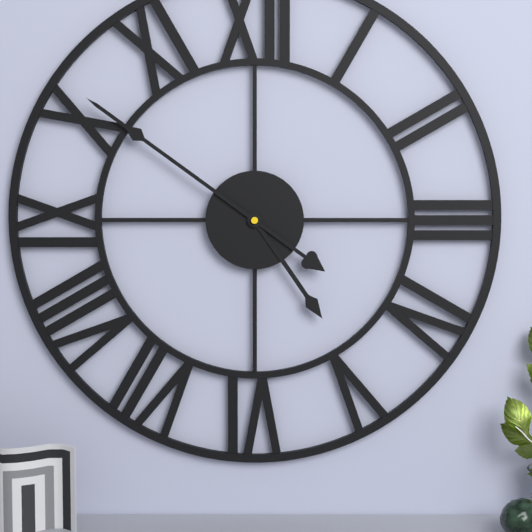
4:51
